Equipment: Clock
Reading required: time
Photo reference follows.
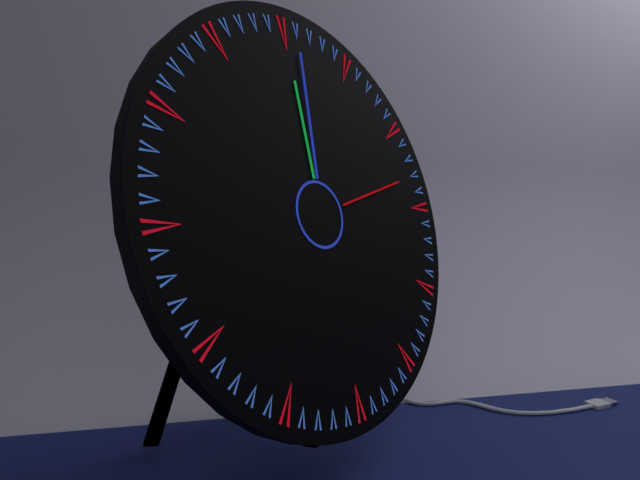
12:01:13
